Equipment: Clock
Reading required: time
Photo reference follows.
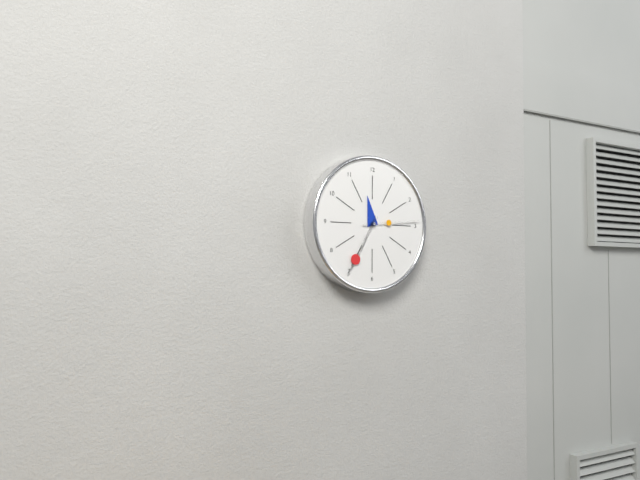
11:35:14
